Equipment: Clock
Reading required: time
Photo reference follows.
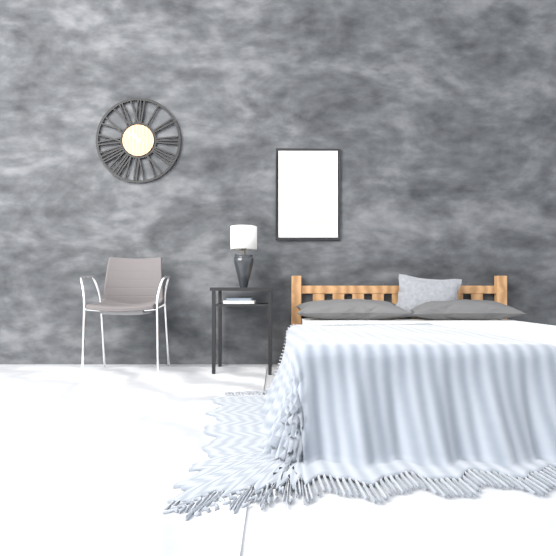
10:51
